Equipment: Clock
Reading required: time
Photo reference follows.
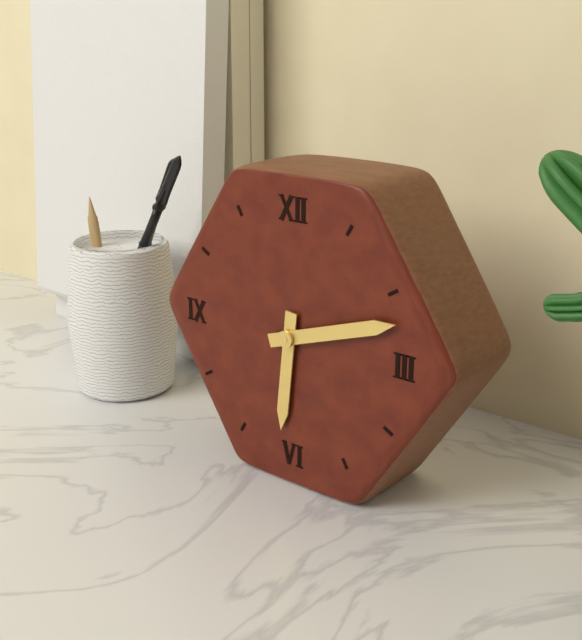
6:12
